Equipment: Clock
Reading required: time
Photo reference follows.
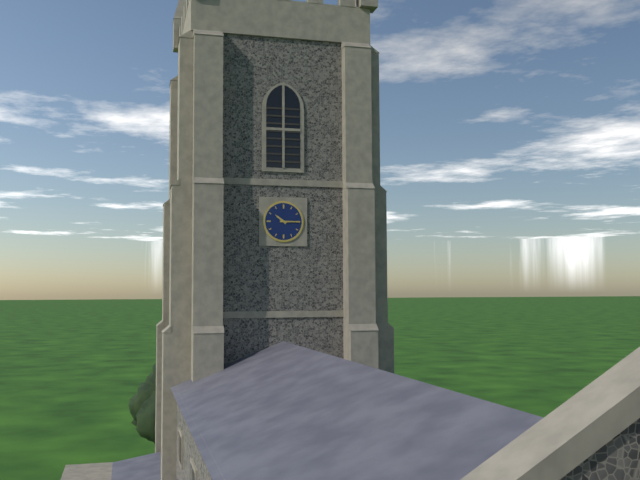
10:15
